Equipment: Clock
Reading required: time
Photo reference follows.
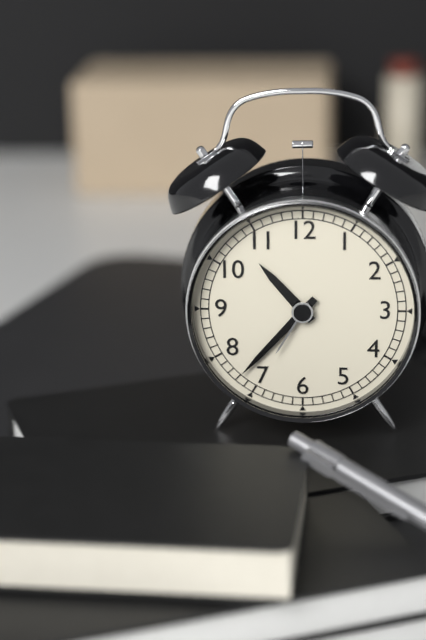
10:37
